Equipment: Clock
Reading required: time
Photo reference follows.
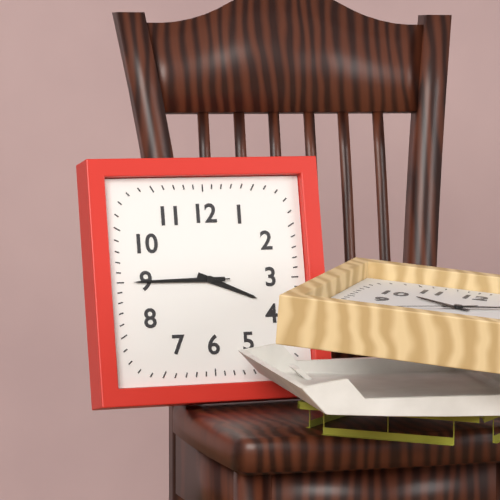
3:45:45
